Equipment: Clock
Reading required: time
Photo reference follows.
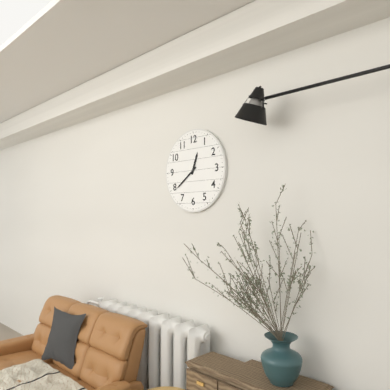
12:39
